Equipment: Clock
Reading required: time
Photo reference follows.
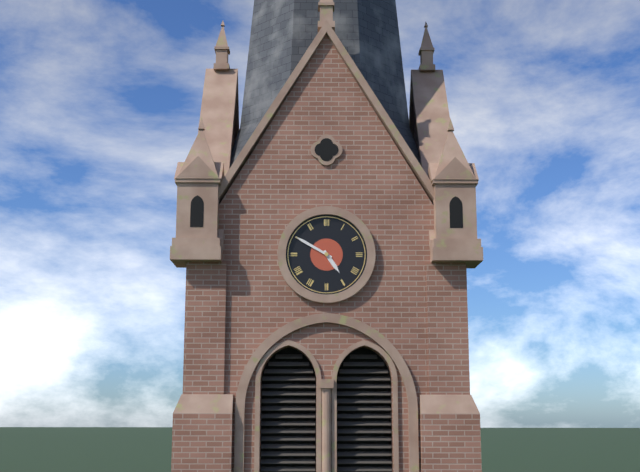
4:50
